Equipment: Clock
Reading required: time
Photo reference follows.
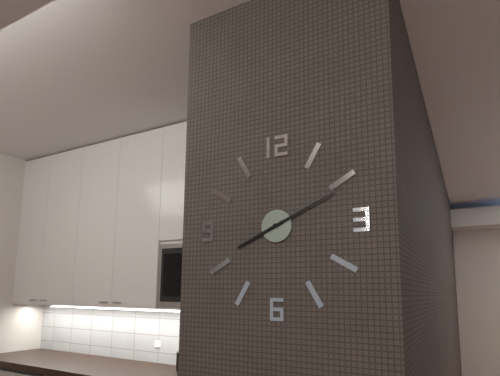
8:11
